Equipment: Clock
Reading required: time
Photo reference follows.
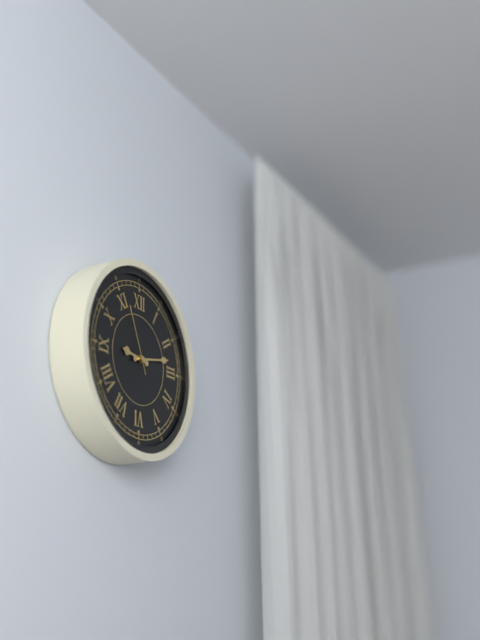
9:13:56
